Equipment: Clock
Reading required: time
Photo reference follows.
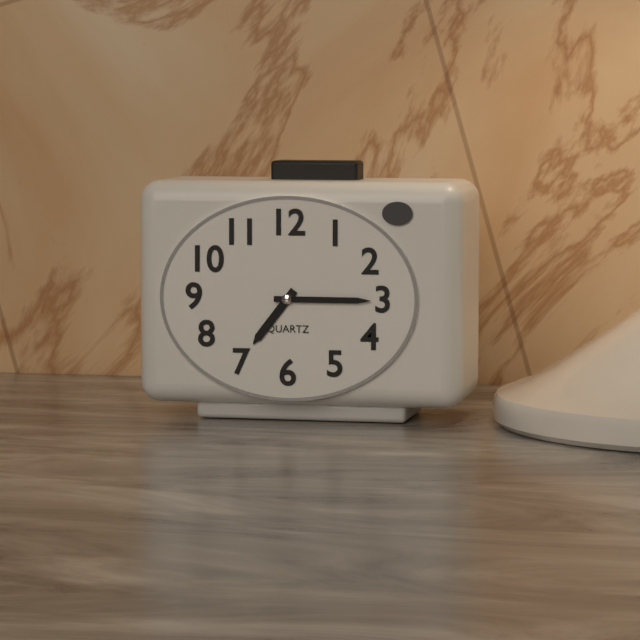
7:15
